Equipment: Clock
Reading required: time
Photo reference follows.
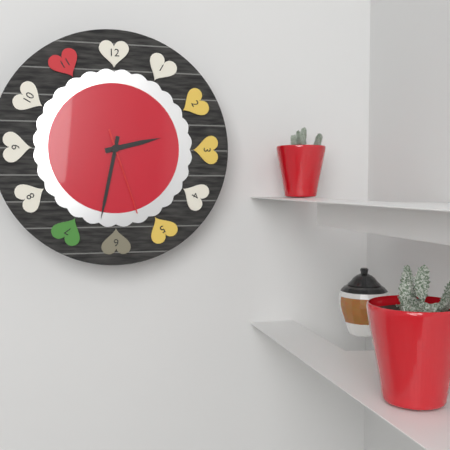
2:32:27
